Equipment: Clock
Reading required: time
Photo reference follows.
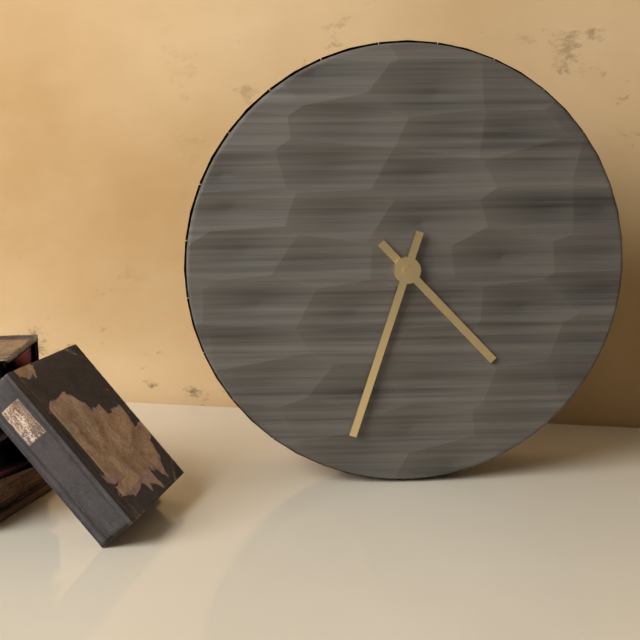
4:33
